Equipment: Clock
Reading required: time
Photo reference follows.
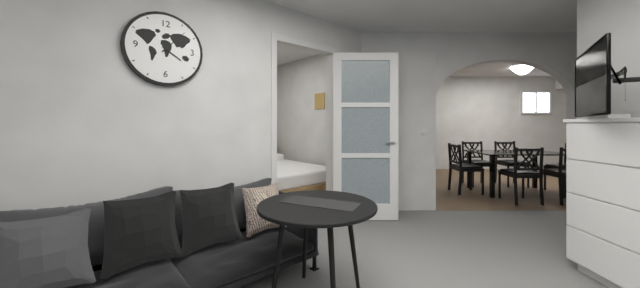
4:07
